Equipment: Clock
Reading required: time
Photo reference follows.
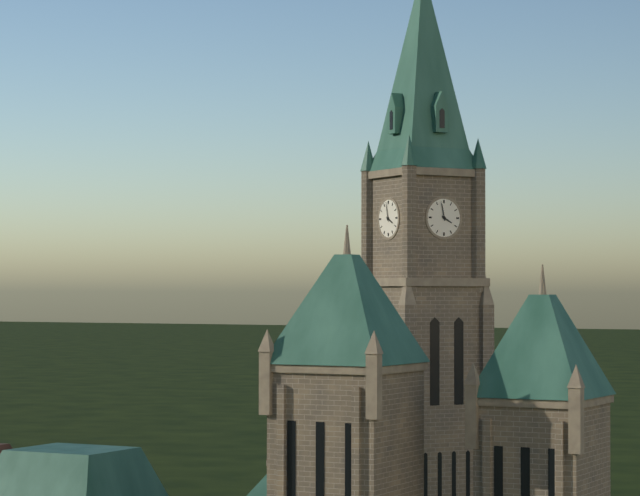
3:58
